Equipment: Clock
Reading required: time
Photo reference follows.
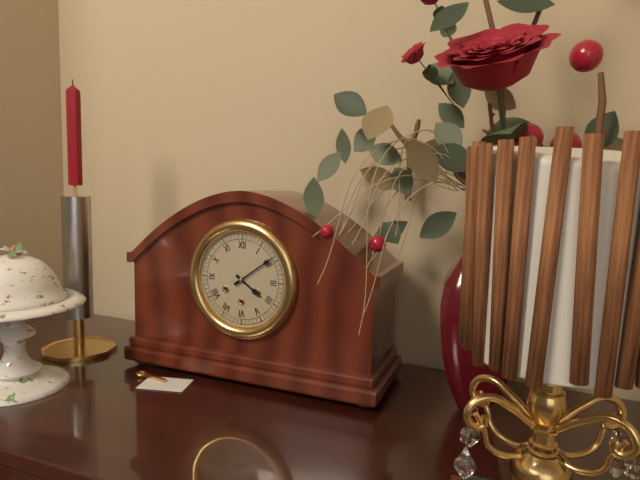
4:09
